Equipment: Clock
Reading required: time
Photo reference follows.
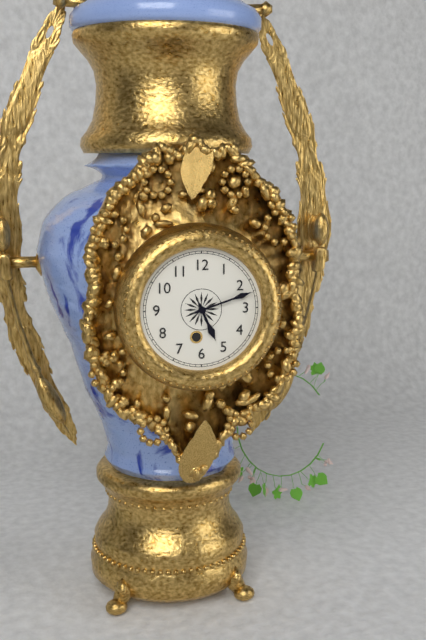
5:12
